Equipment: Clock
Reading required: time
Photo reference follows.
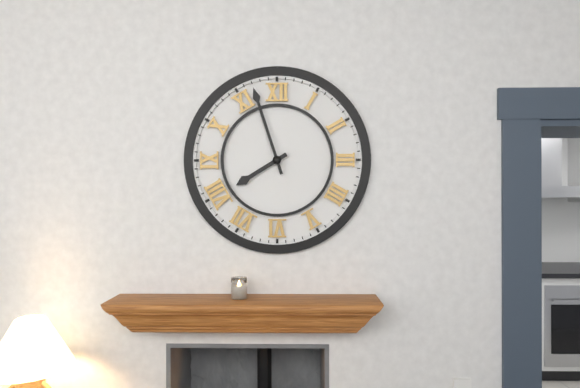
7:57
